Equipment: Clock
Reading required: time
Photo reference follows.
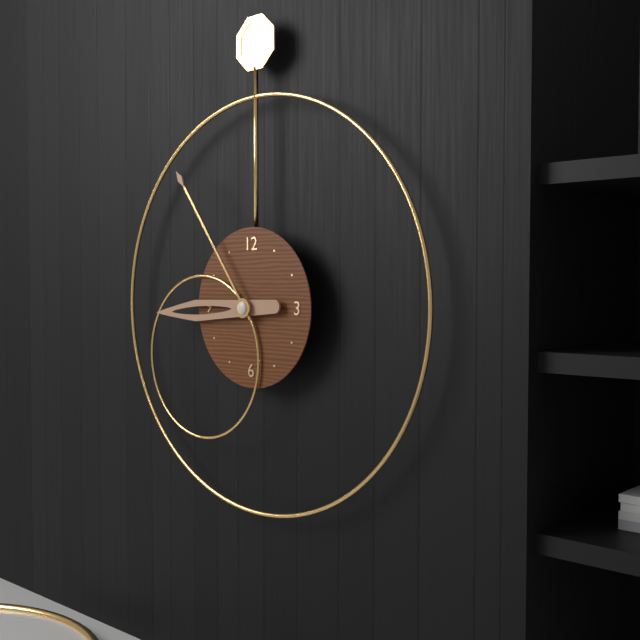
8:54
